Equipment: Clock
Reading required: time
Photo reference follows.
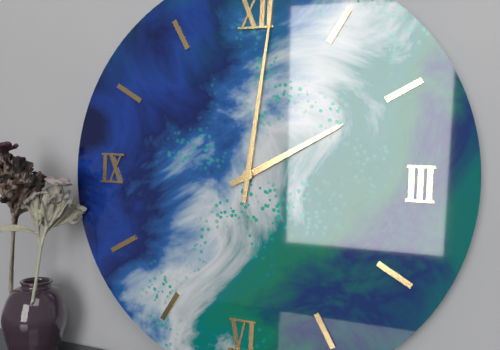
2:01
